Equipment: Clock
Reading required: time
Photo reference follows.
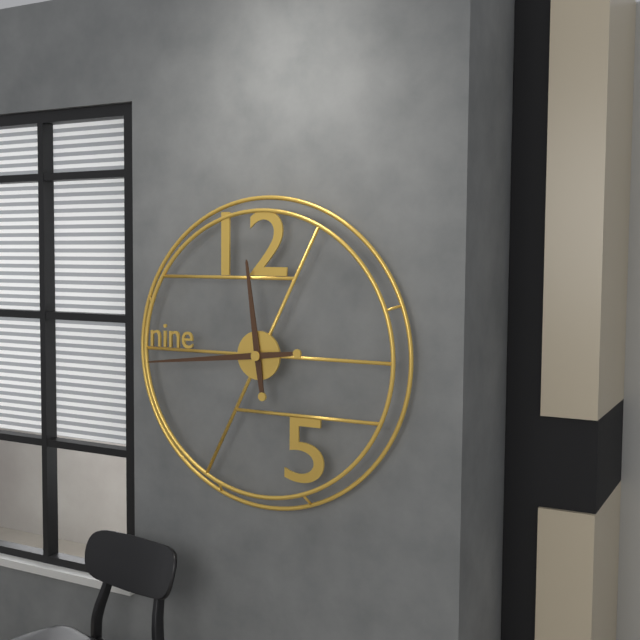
11:44
